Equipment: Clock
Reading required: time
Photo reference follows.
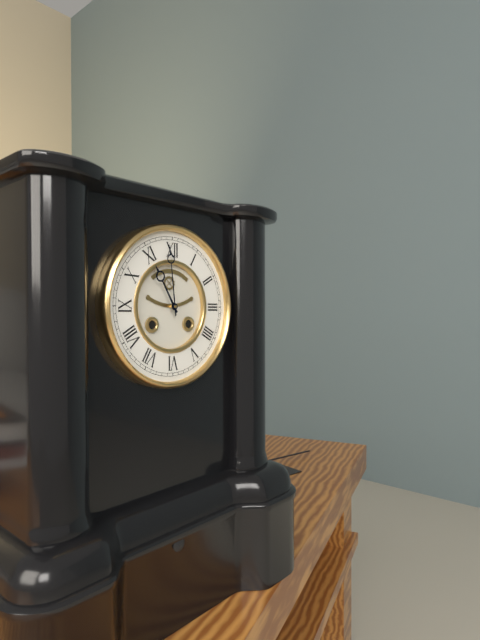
10:59
